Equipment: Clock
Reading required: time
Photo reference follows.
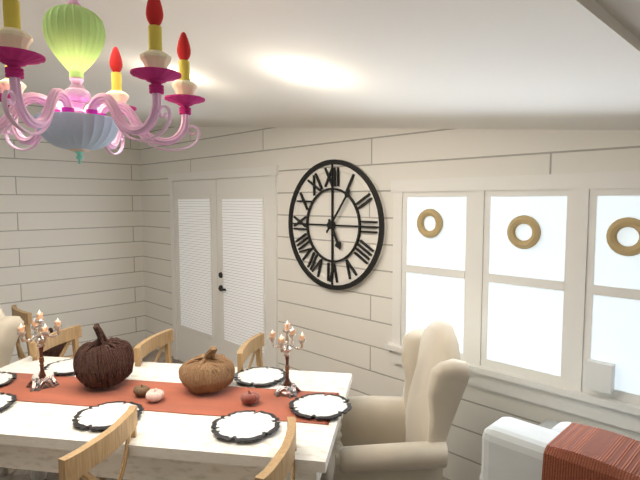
5:06
